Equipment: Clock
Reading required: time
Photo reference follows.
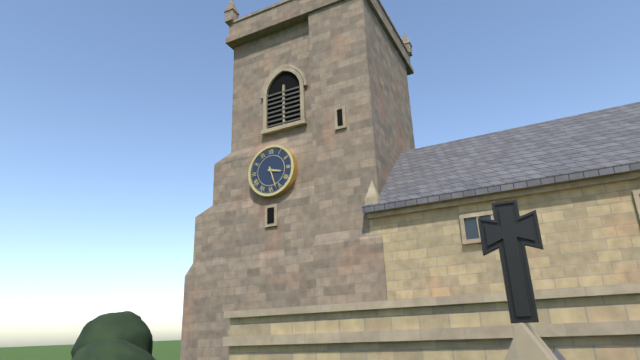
3:27
